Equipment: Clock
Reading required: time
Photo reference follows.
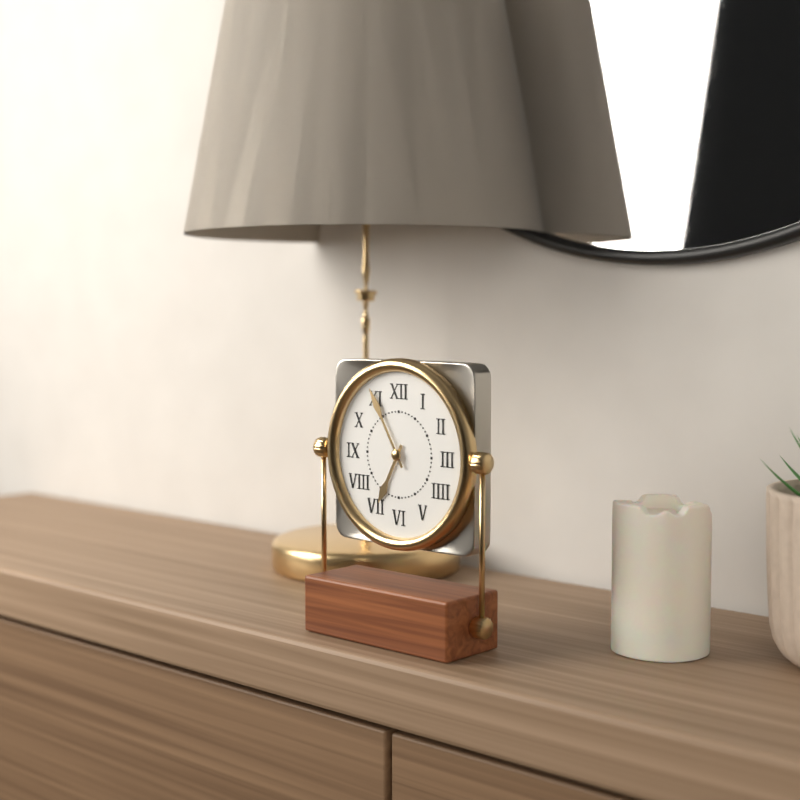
6:55
